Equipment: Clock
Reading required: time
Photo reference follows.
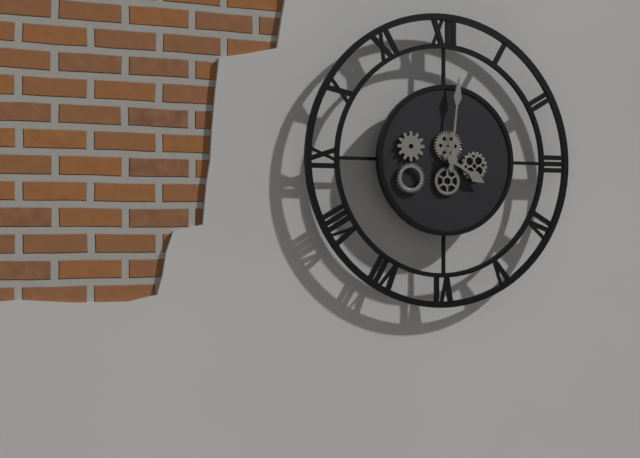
4:01
